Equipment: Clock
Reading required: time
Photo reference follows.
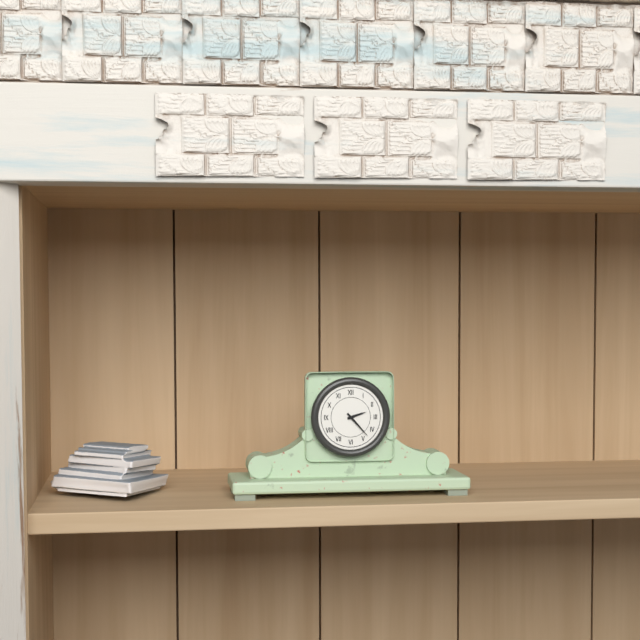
2:23
